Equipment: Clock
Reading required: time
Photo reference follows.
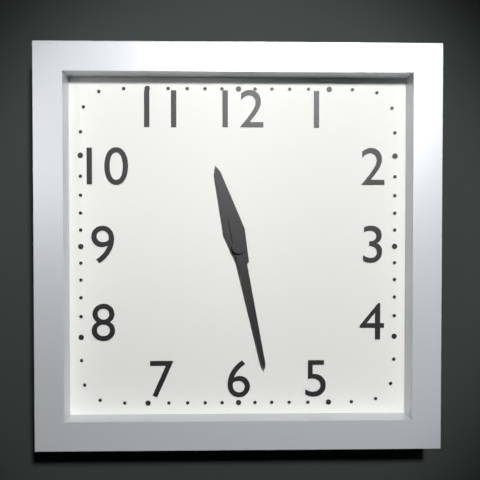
11:28
